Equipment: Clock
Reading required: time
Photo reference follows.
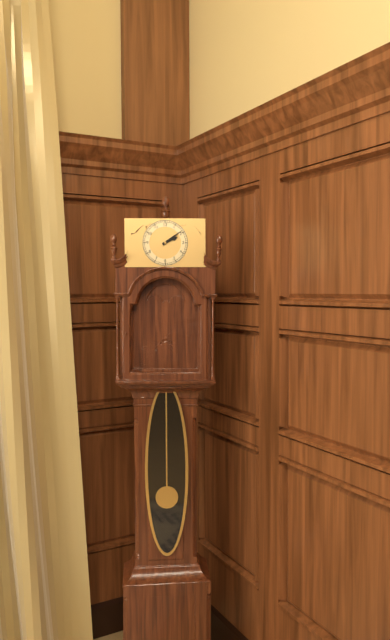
2:09
